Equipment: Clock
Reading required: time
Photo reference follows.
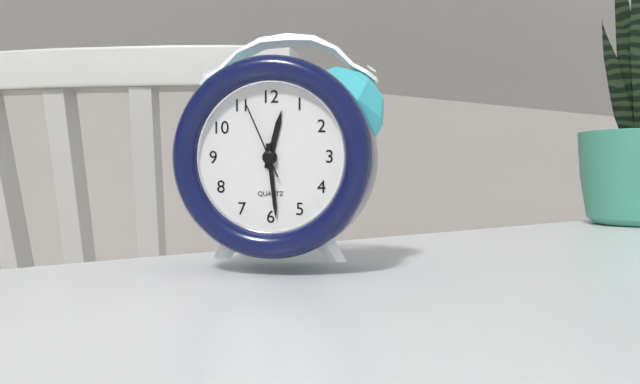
12:29:56
